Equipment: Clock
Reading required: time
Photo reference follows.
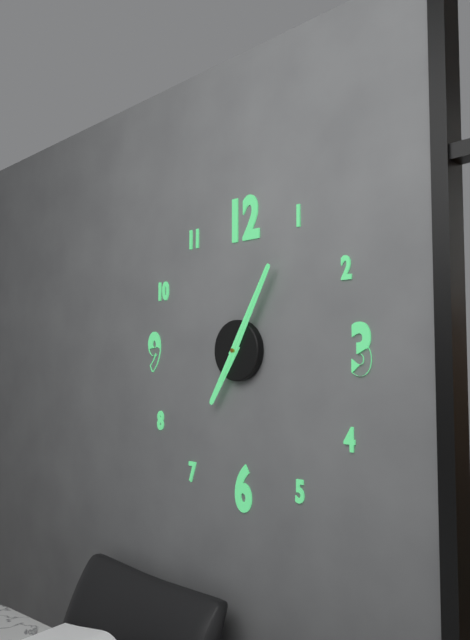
7:05:05
